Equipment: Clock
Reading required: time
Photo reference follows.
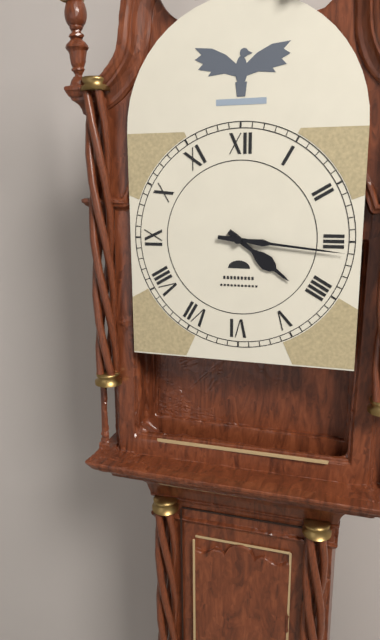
4:16
